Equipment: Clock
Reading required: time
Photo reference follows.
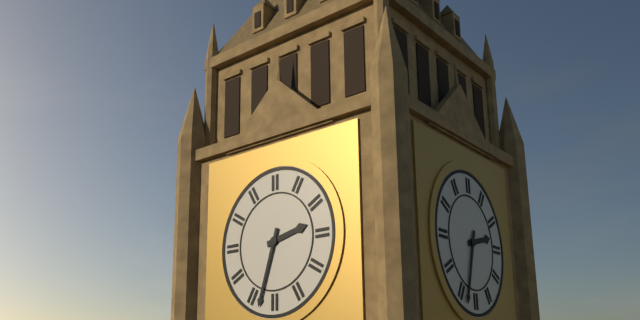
2:33
